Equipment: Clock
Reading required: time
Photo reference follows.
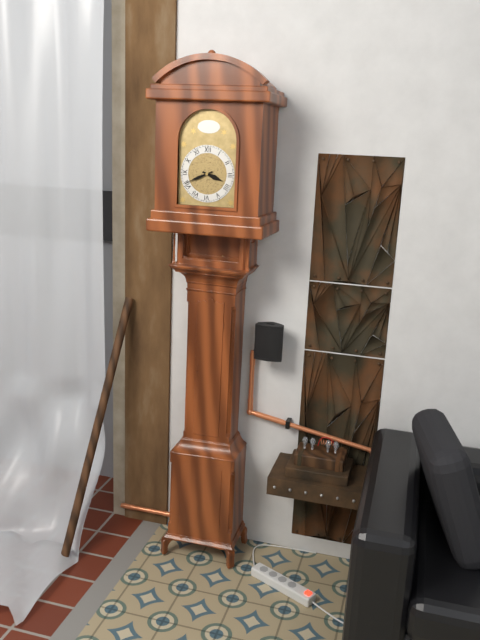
3:41
